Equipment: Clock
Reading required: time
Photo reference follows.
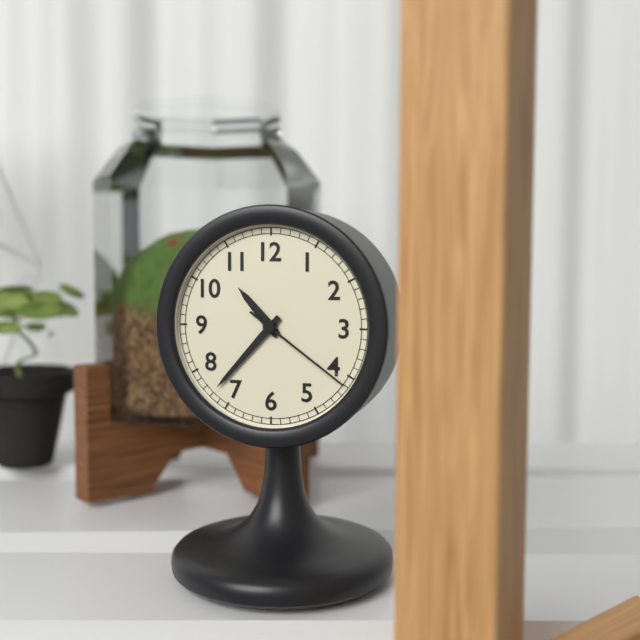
10:37:21
